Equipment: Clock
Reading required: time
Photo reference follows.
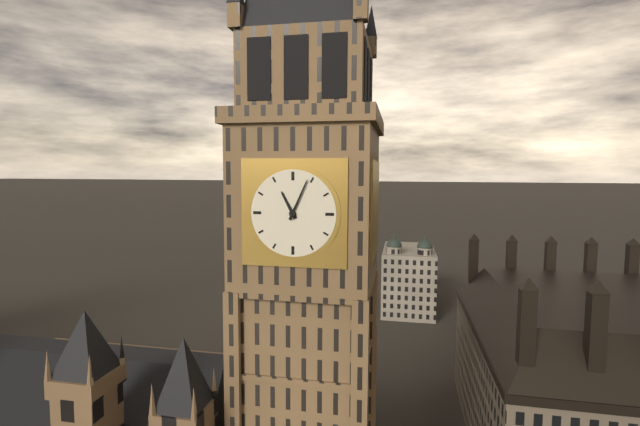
11:04
